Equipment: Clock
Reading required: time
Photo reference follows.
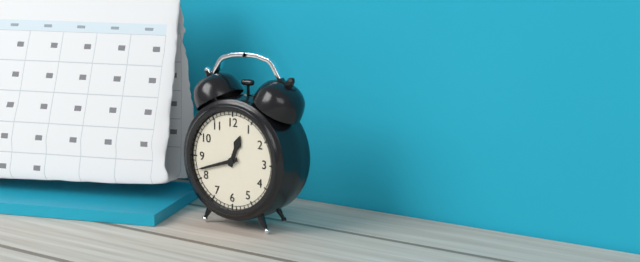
12:42
